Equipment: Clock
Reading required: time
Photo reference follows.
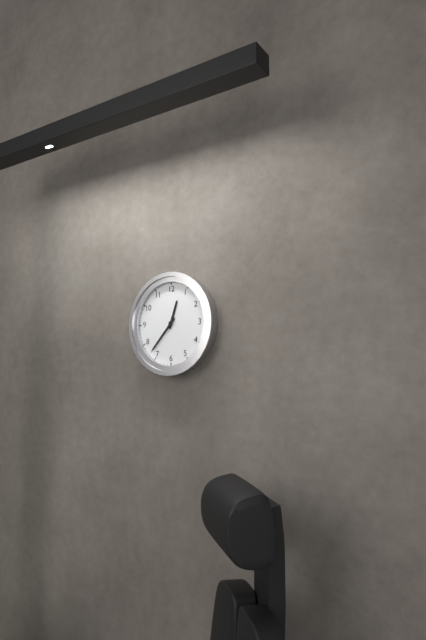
12:37
